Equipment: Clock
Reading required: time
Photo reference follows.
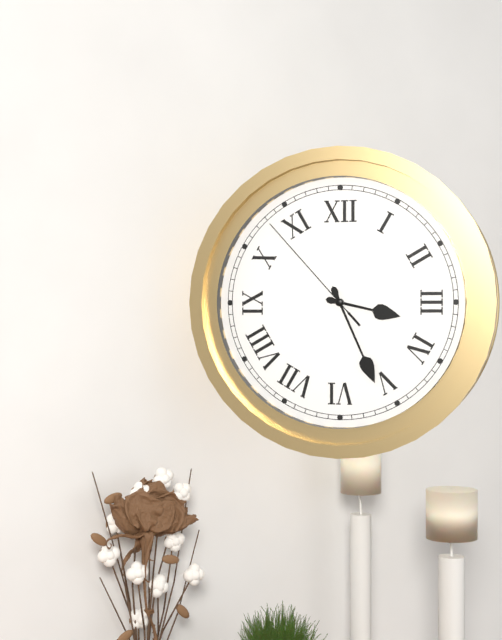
3:26:53
